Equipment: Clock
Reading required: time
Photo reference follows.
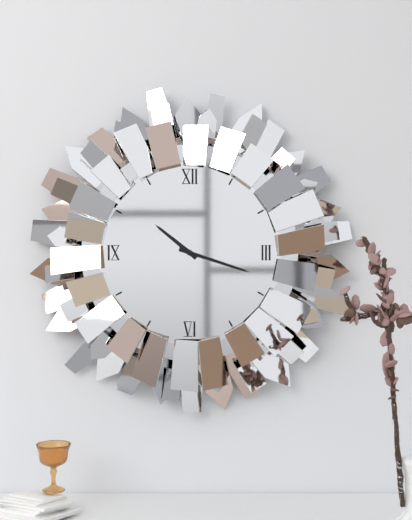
10:18
